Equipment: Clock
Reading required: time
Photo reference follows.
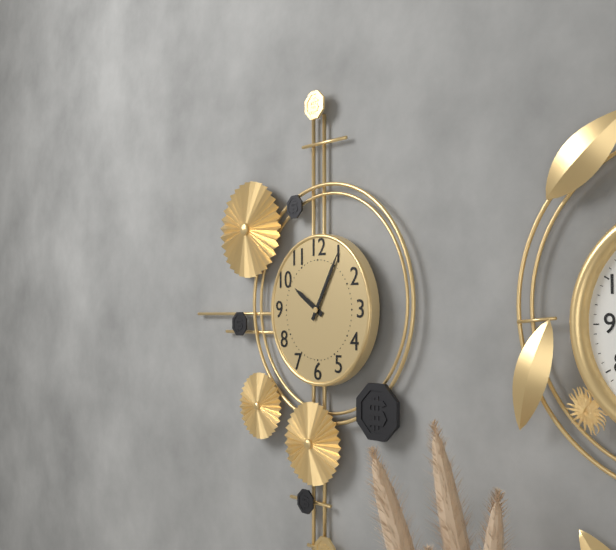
10:05
